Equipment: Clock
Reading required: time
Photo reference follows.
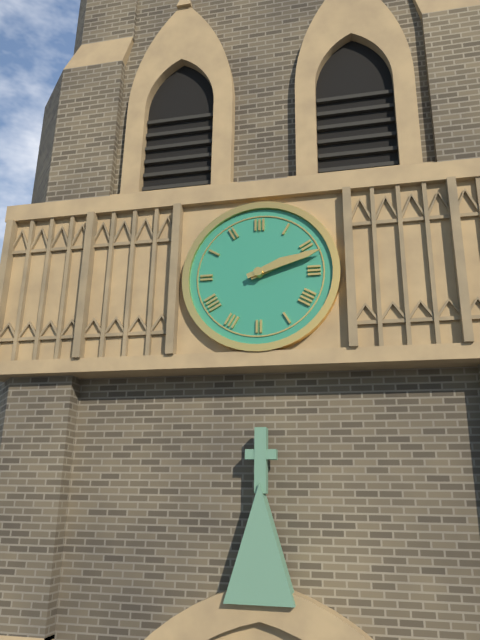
2:12
